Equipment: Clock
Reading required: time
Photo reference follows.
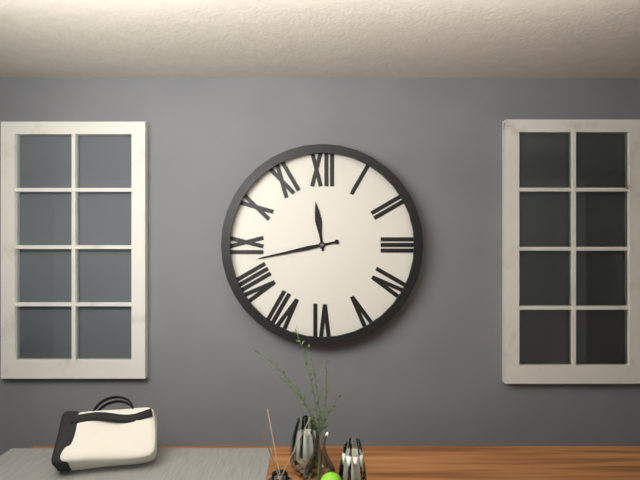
11:43
